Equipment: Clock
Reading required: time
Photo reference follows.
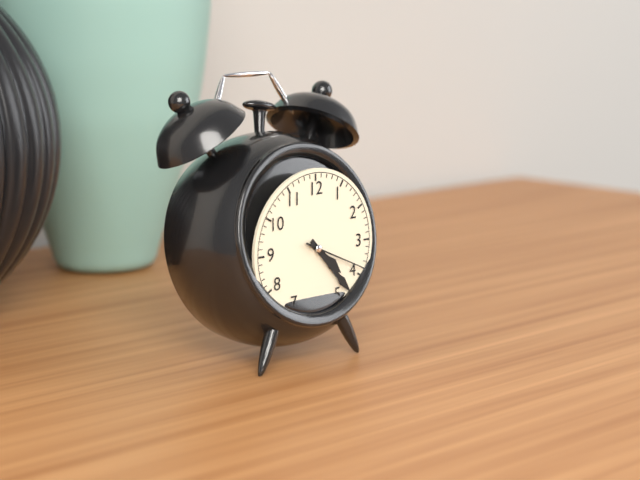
4:23:19
